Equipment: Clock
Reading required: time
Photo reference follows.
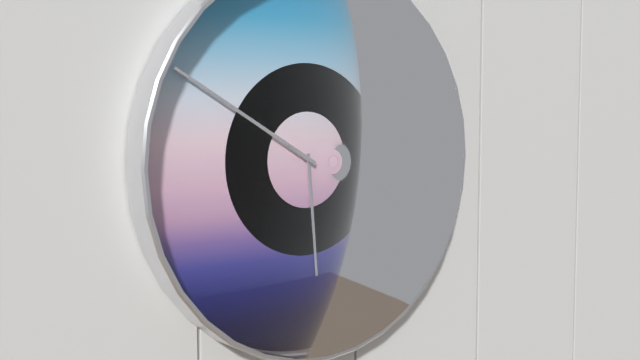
5:50
